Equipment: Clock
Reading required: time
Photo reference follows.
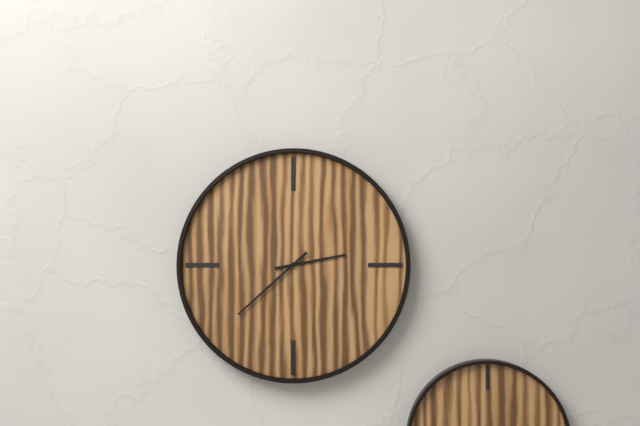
2:38
